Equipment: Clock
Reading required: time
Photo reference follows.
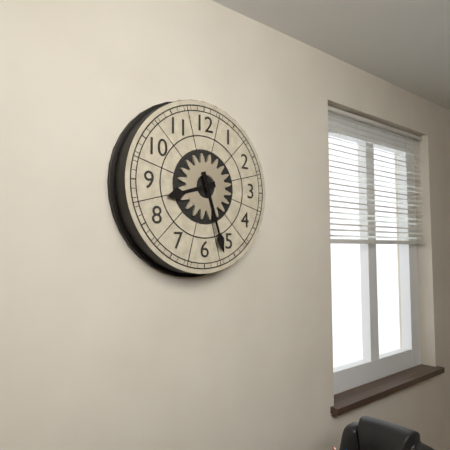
8:27
